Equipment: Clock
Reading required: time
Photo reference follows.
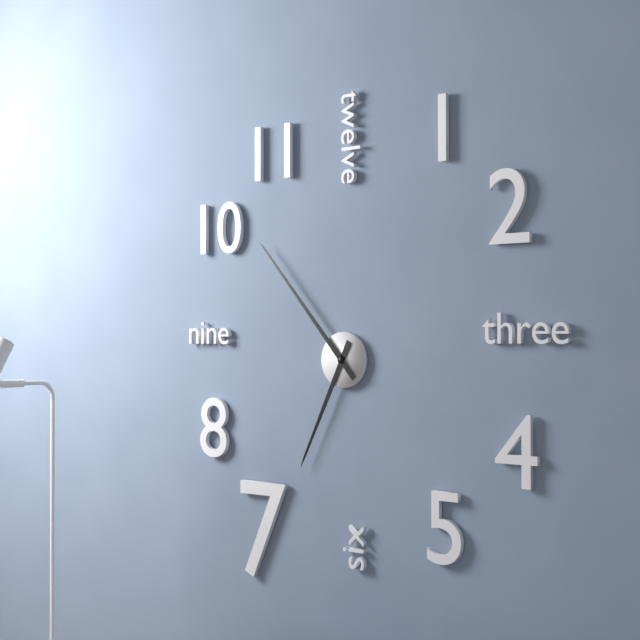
6:53
